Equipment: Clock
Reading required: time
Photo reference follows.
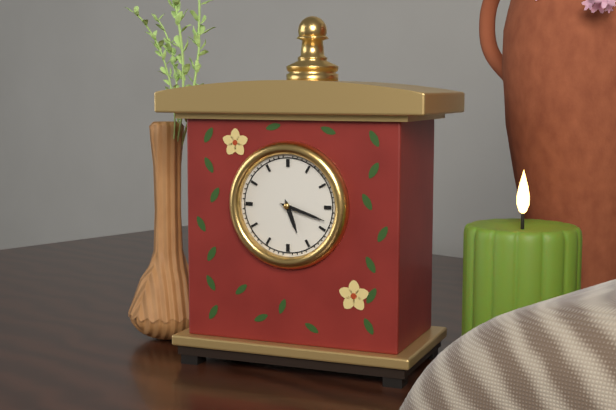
5:18
